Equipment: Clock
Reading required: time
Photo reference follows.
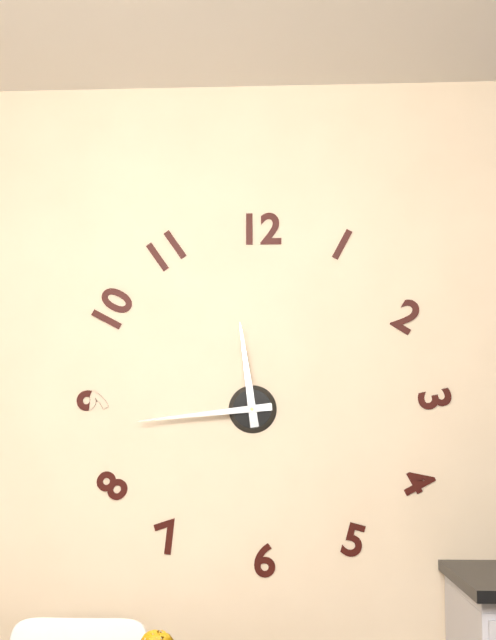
11:44
